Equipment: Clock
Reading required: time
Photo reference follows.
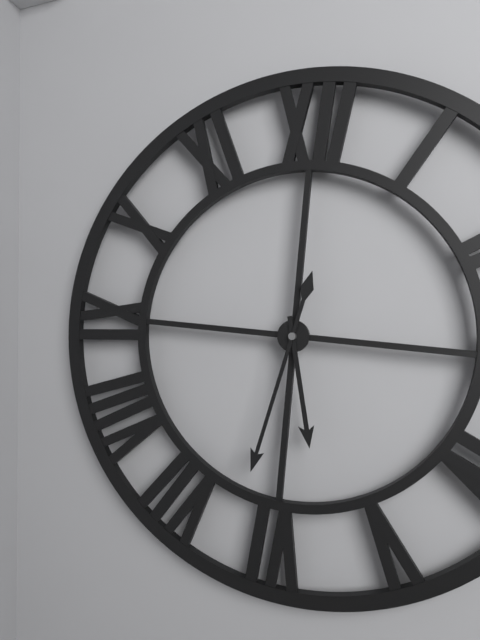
5:32
